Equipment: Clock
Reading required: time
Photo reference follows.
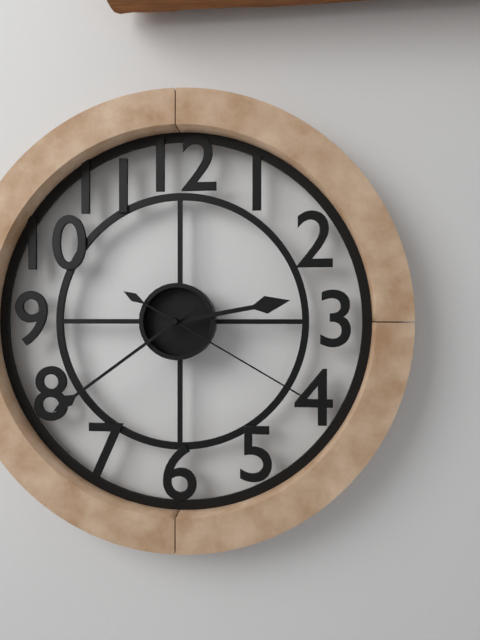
2:39:20
